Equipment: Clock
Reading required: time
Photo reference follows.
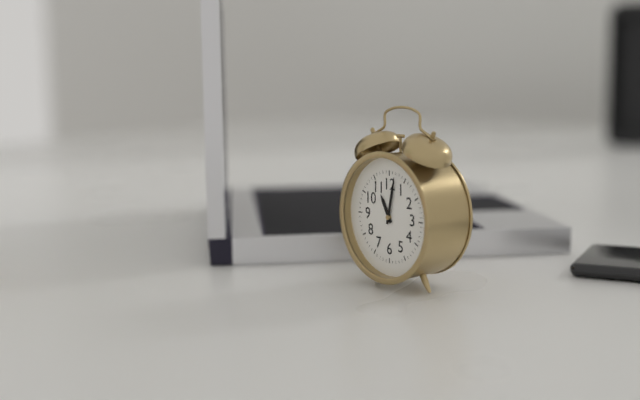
11:02
